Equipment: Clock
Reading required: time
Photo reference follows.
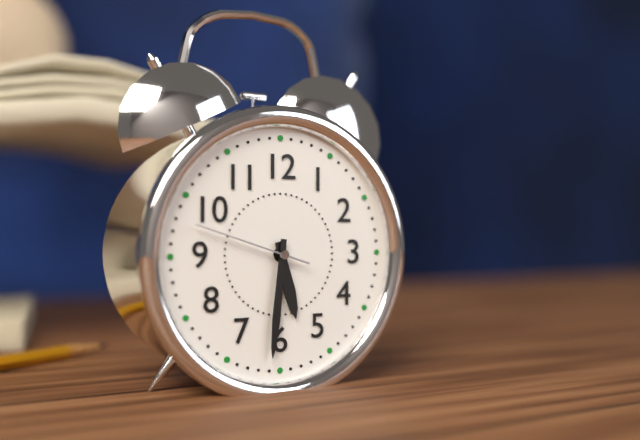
5:31:48
